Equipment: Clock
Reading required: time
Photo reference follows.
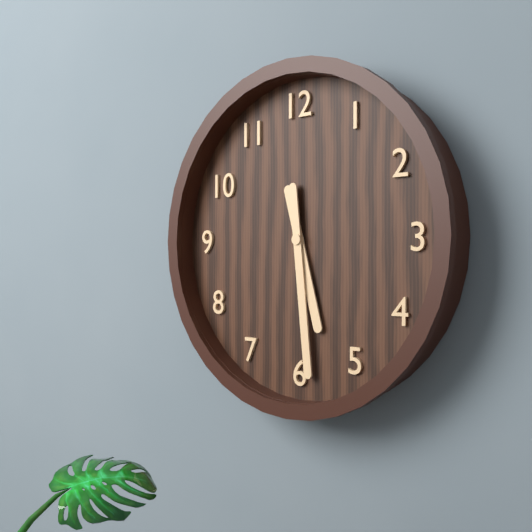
5:29
